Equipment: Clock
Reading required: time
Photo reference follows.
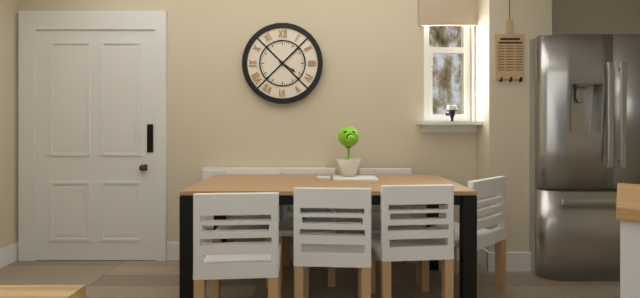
4:08
